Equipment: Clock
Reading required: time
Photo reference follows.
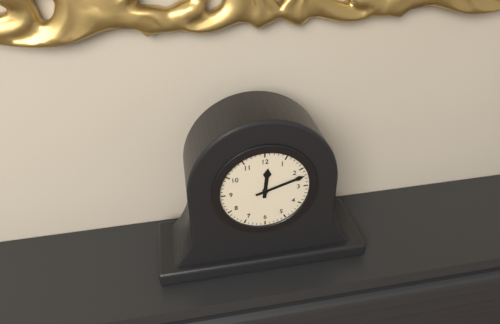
12:12
